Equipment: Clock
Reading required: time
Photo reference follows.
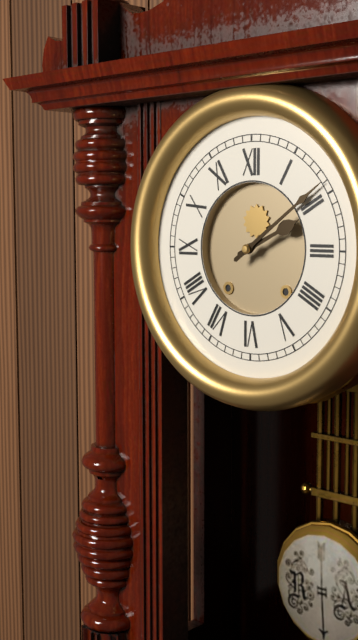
2:09
